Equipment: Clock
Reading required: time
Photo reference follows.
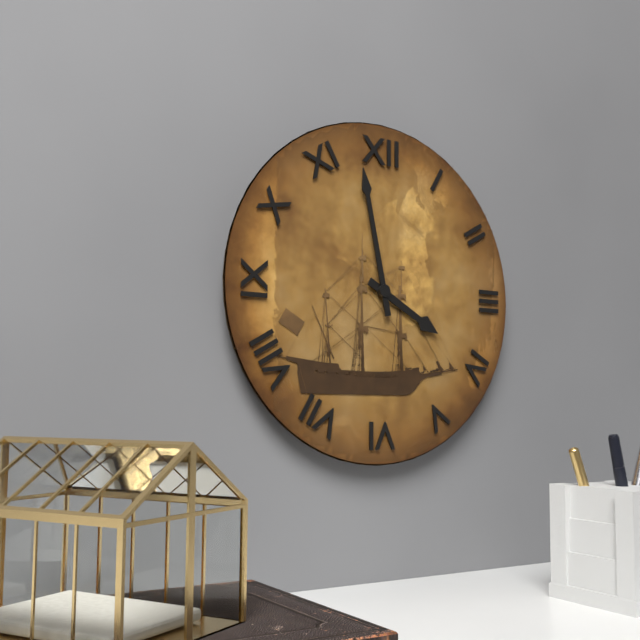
3:58
